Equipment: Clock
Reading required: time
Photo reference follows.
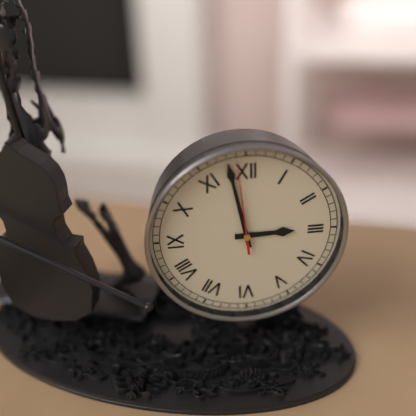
2:58:59
